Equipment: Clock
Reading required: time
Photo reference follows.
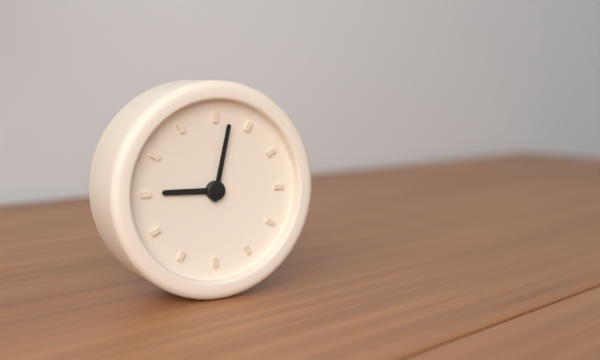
9:02
